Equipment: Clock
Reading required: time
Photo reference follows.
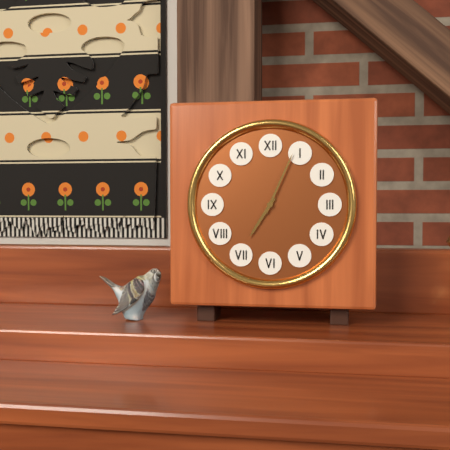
7:04
